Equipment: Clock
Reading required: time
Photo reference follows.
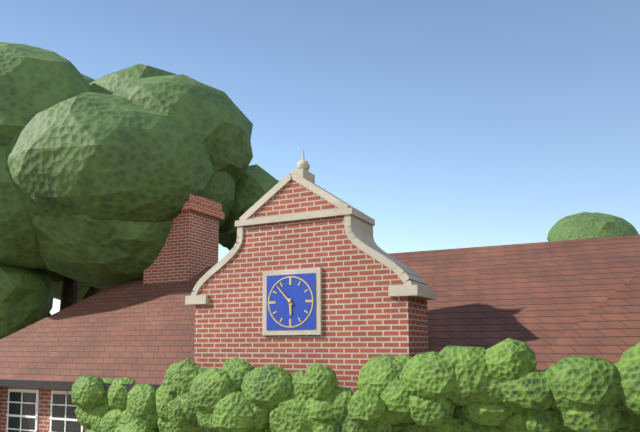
5:53
